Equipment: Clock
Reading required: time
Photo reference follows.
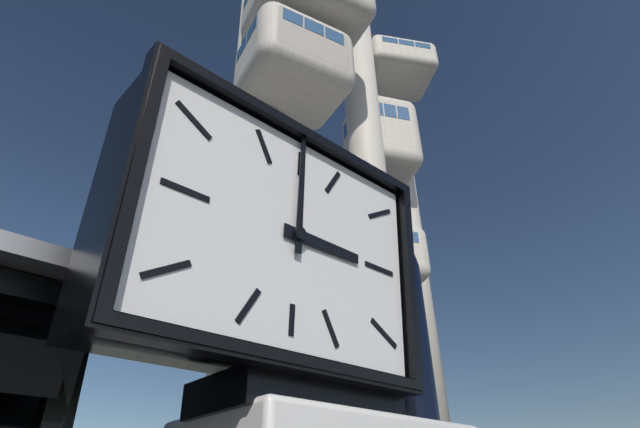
3:00
